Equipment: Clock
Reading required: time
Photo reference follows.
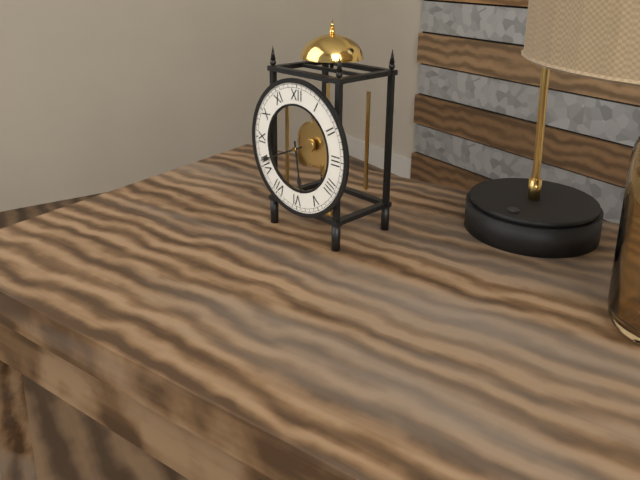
5:41
